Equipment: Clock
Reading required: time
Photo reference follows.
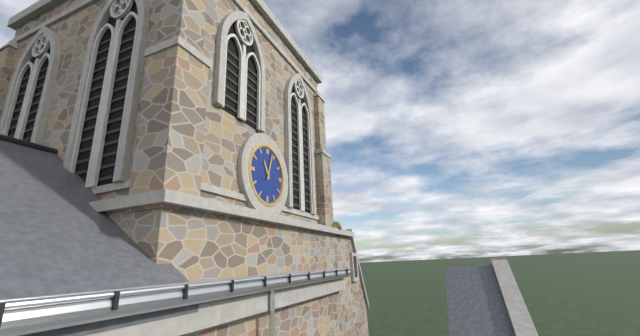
11:03
